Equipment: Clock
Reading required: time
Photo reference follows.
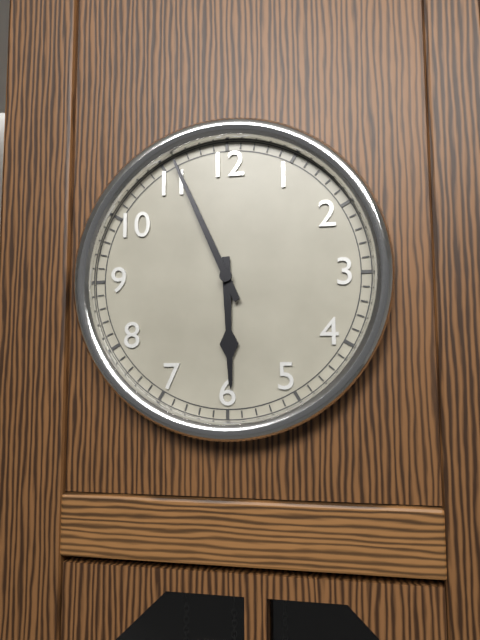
5:56
